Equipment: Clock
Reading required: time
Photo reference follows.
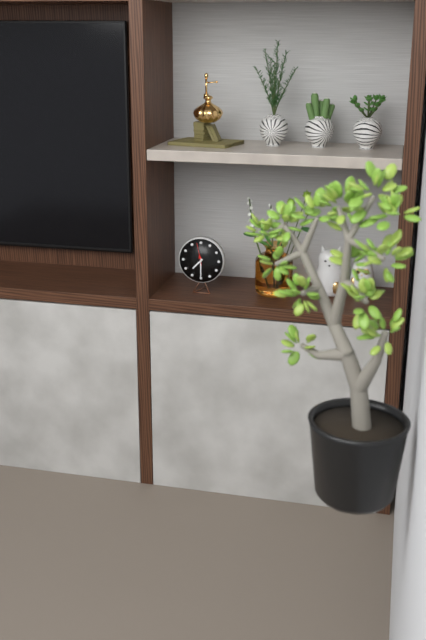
7:30
